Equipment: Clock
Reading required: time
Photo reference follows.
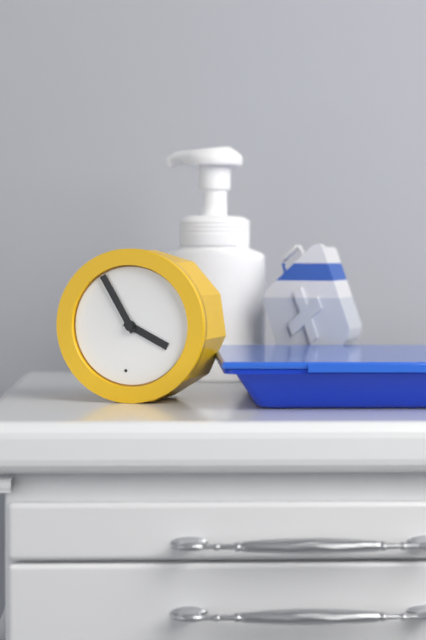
3:55
